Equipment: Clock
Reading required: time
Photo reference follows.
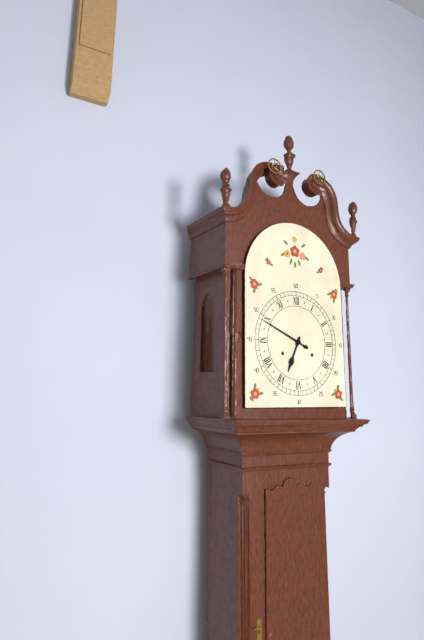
6:49
